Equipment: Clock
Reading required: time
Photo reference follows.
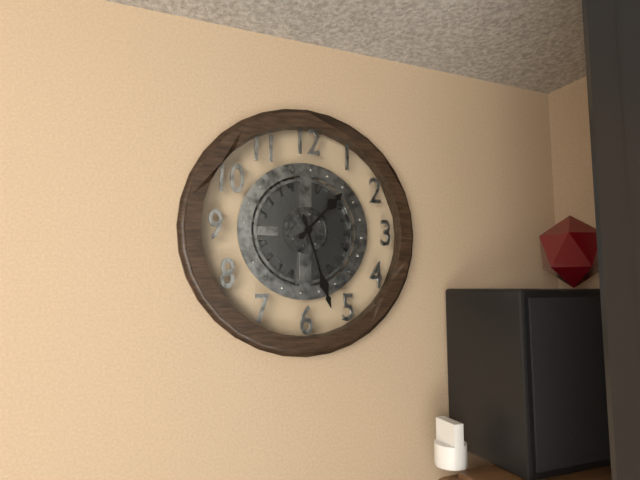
1:27
